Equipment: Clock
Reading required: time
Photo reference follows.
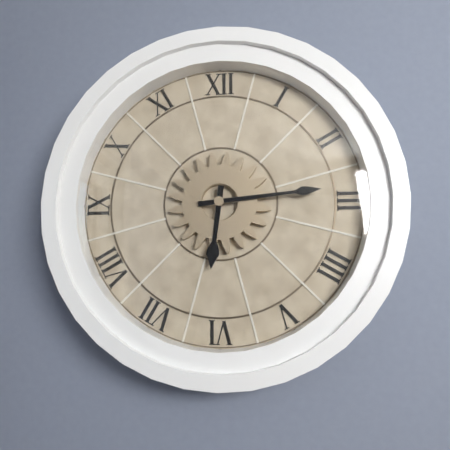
6:14
